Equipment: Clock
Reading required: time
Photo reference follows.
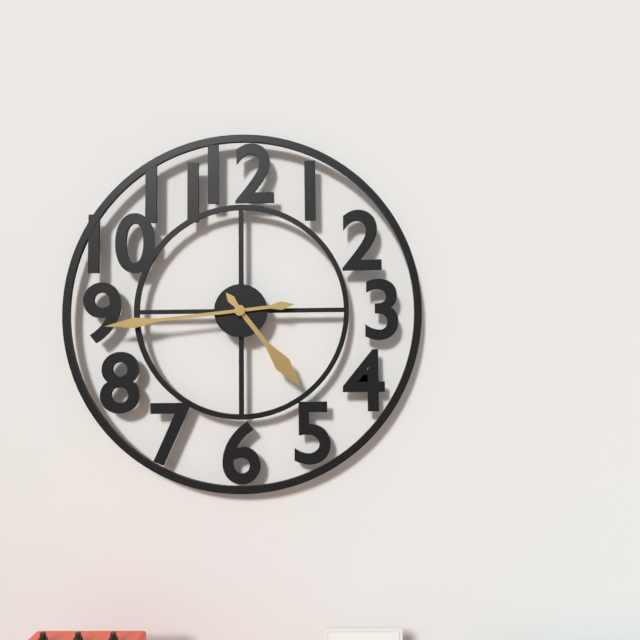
4:44
